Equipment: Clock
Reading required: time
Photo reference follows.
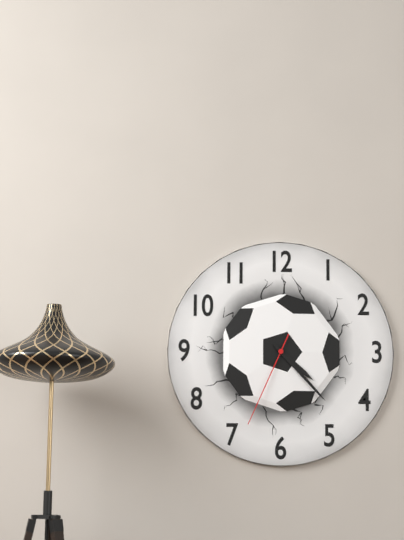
4:23:34
